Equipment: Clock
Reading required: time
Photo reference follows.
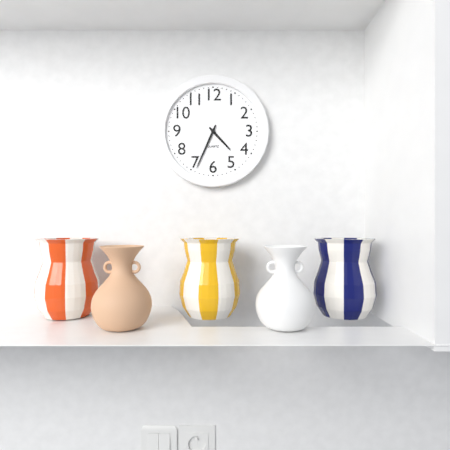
4:34
